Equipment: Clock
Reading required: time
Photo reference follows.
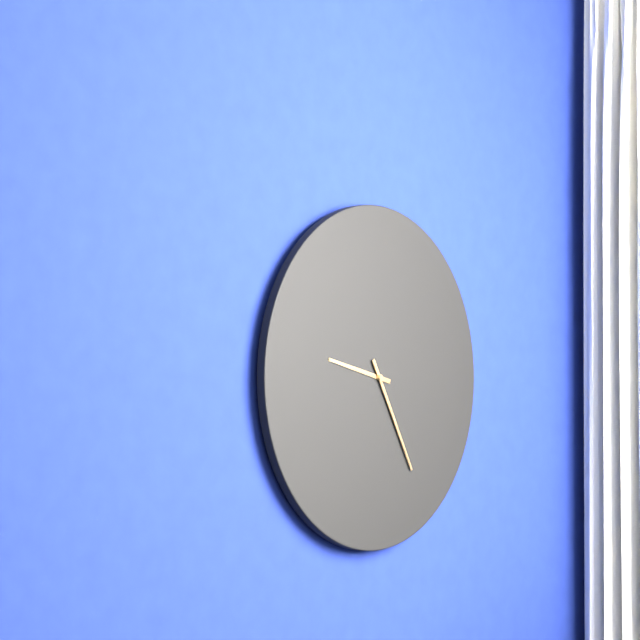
9:25
